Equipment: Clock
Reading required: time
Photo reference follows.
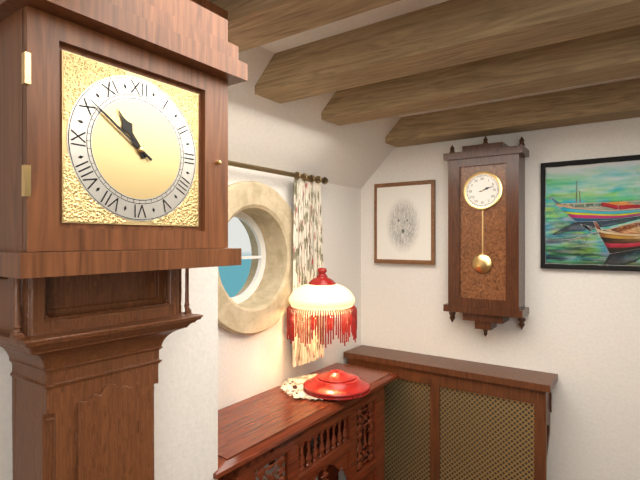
10:51
